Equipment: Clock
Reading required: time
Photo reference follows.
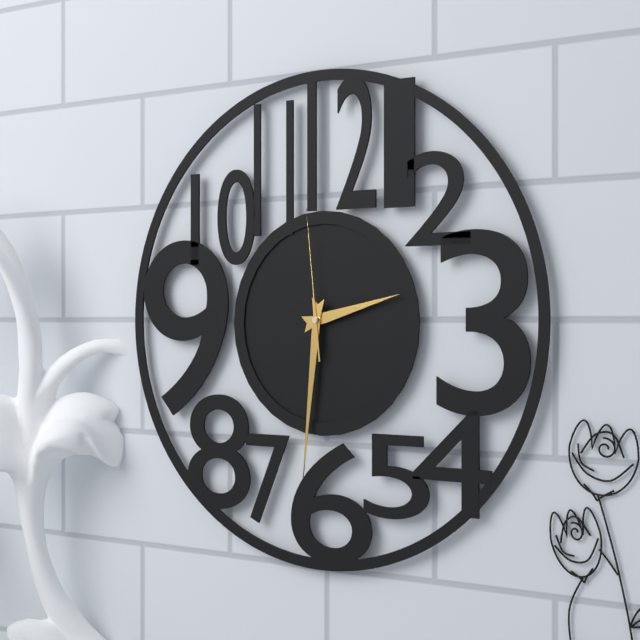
2:31:59
